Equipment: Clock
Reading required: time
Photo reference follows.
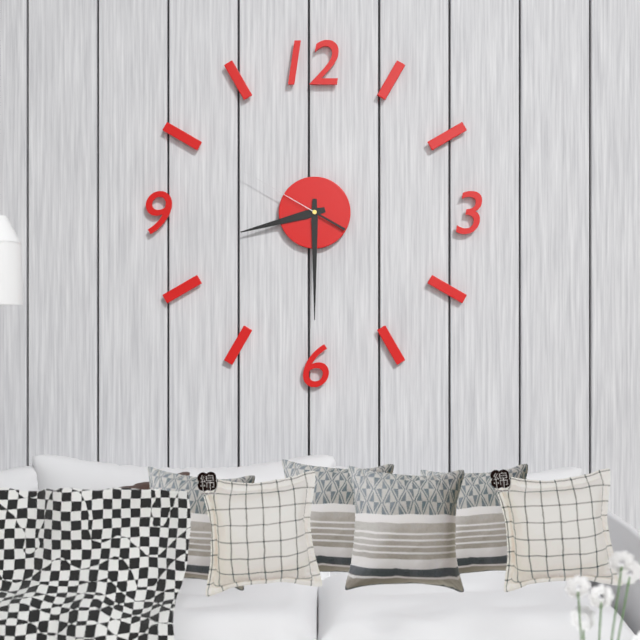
8:30:50
